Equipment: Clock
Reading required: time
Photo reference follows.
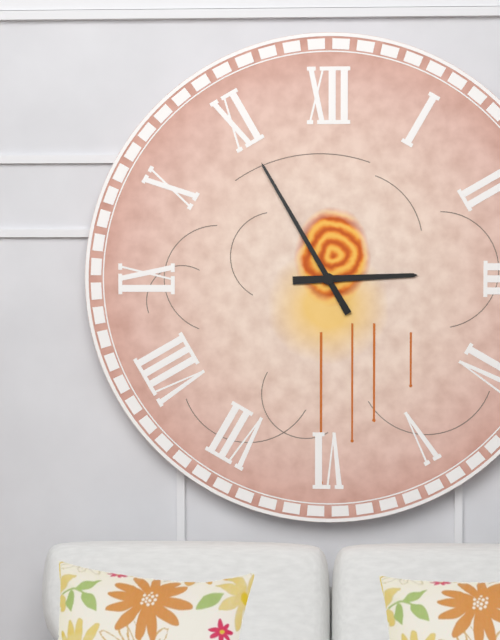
2:55
